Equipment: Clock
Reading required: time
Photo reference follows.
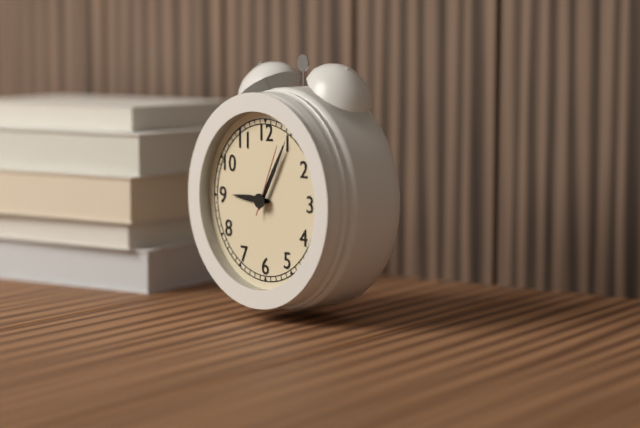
9:05:04
